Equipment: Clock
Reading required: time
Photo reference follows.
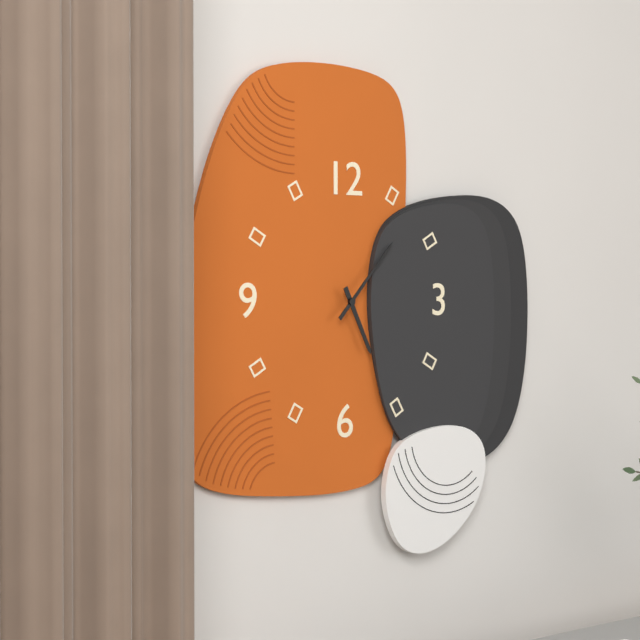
5:07
